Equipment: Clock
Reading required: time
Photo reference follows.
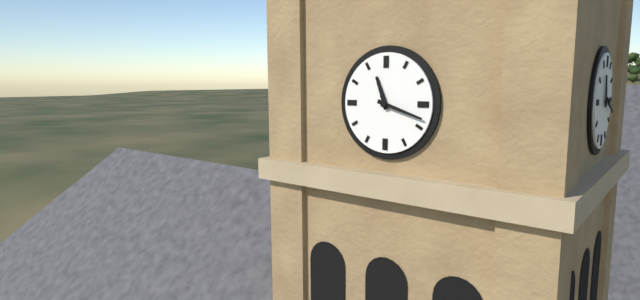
11:18
